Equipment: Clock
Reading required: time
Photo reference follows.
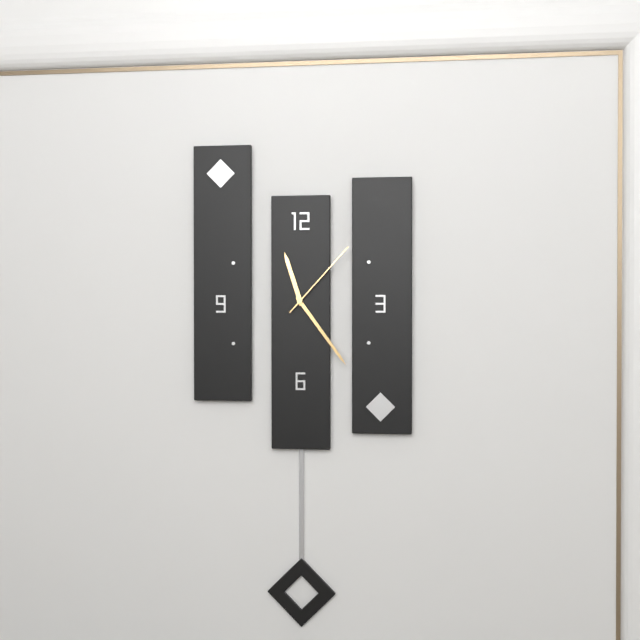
11:24:07
